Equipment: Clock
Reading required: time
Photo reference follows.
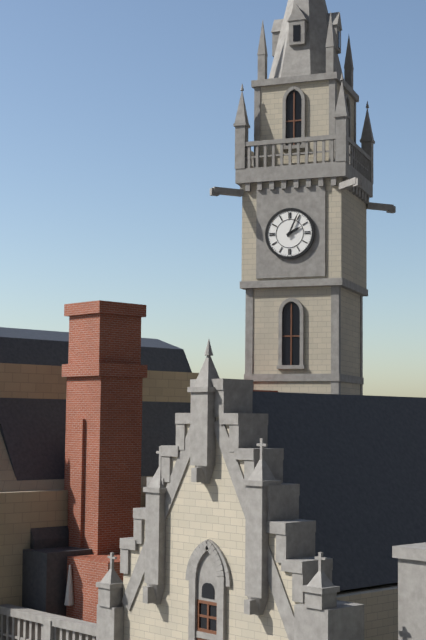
2:04
